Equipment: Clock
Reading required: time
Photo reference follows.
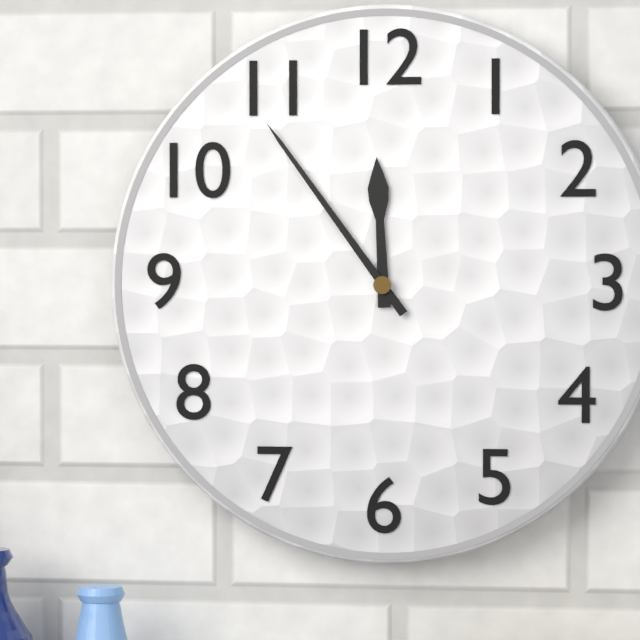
11:54
